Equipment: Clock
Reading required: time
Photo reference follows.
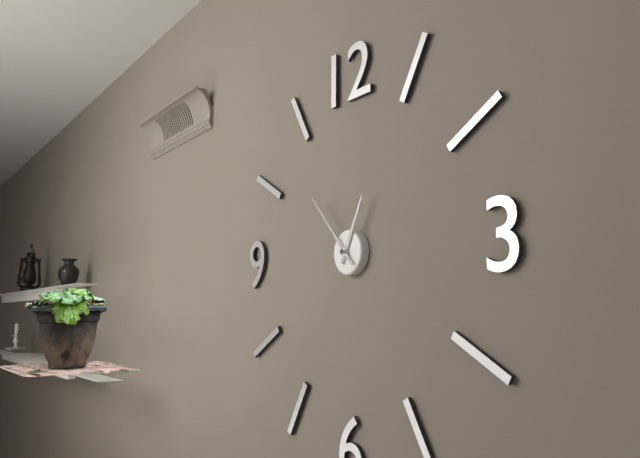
12:53
